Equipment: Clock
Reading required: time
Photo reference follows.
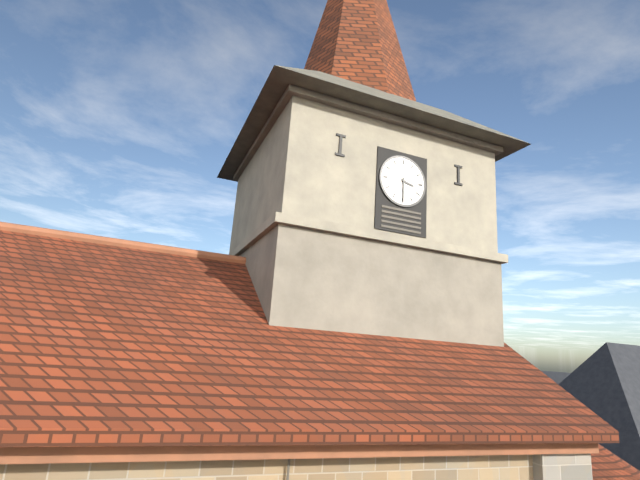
3:30
